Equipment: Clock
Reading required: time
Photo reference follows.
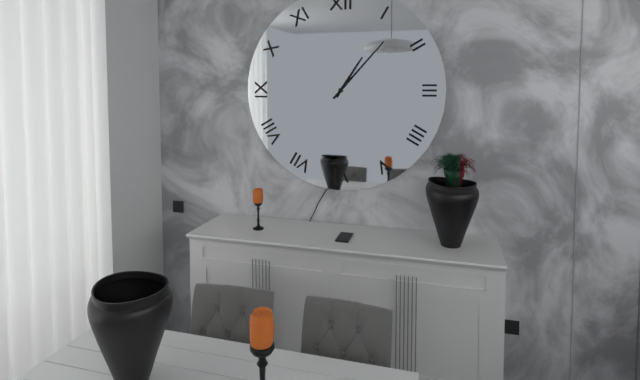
1:07
